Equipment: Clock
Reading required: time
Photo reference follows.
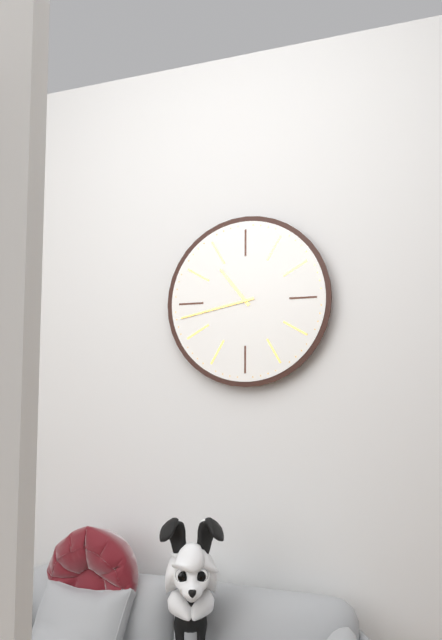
10:43
